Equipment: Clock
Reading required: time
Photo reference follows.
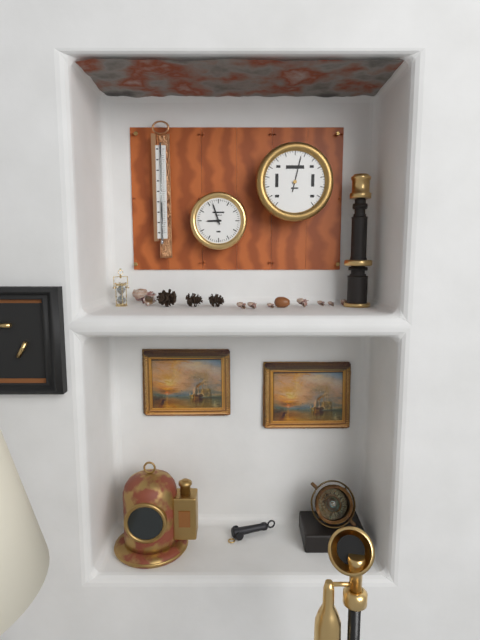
8:57
